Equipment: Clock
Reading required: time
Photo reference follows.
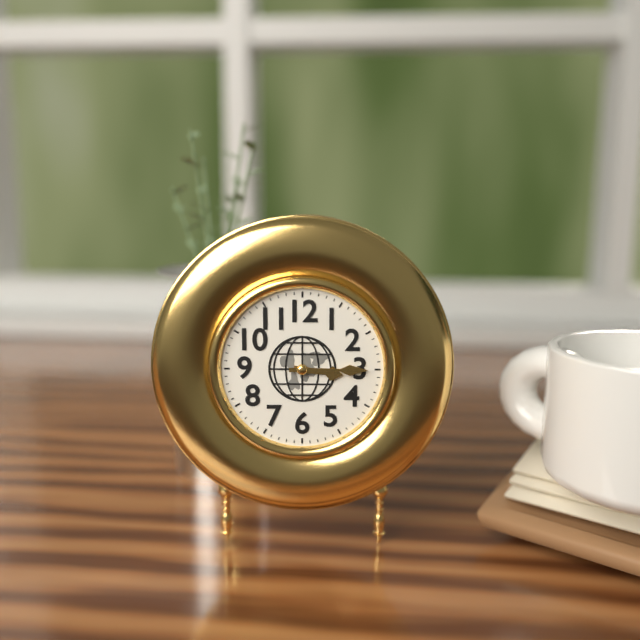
3:15
